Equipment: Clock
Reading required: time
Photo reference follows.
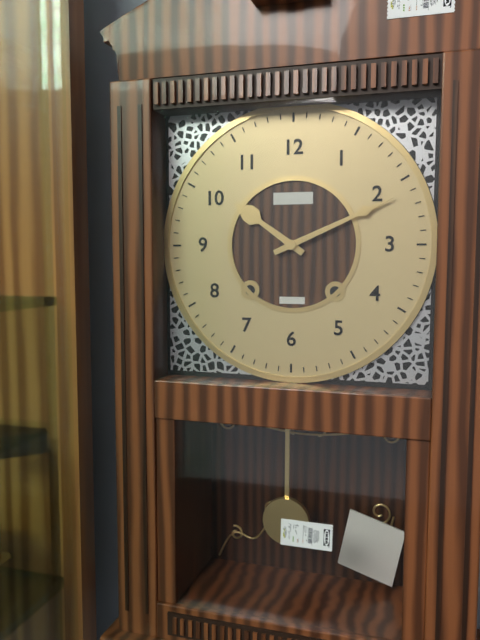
10:11
